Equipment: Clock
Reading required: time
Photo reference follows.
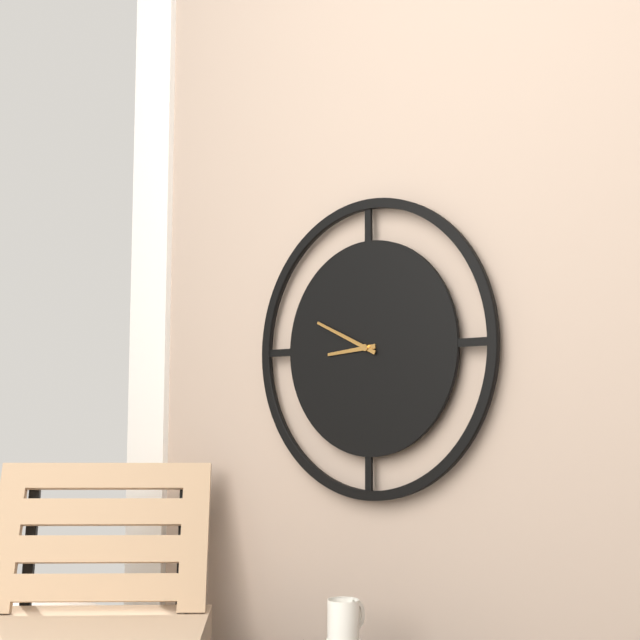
8:49
